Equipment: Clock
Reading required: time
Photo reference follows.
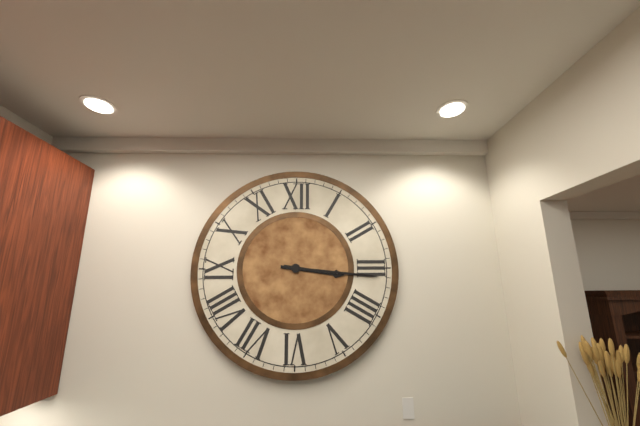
3:16
